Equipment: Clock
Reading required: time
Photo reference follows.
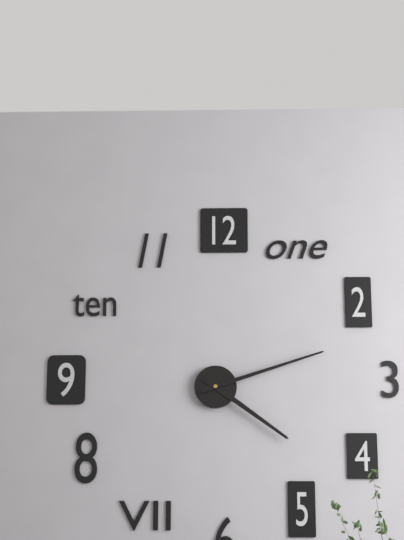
4:12
